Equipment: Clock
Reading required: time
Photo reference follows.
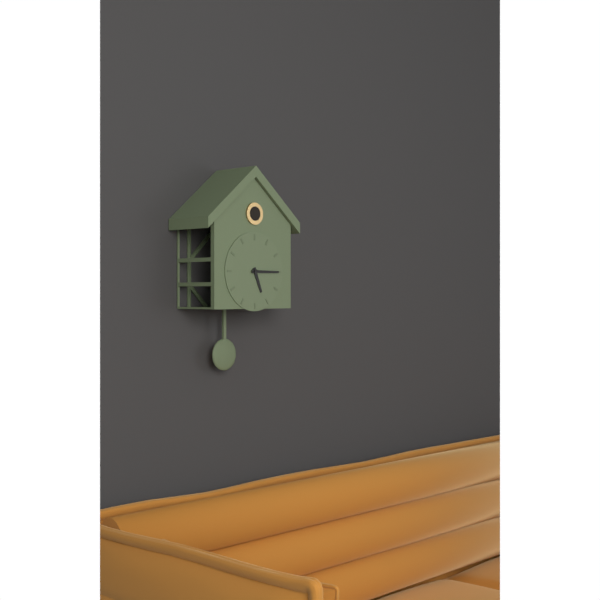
5:15
